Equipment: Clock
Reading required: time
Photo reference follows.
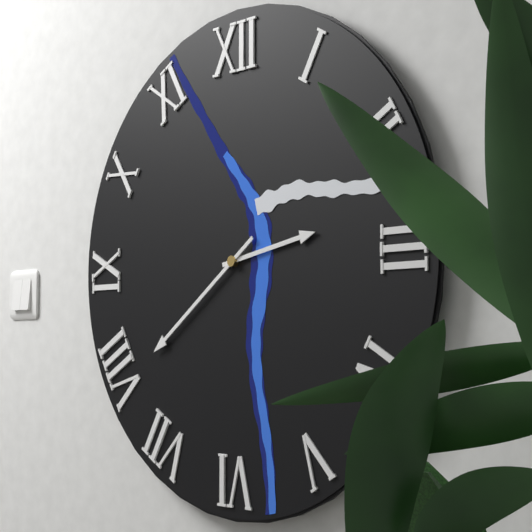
2:39
